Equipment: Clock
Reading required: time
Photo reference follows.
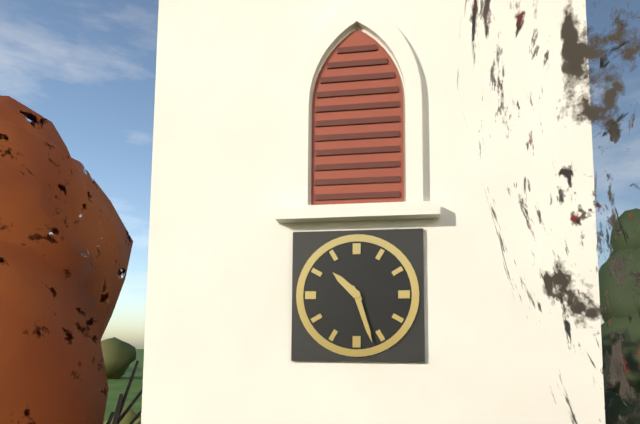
10:27
